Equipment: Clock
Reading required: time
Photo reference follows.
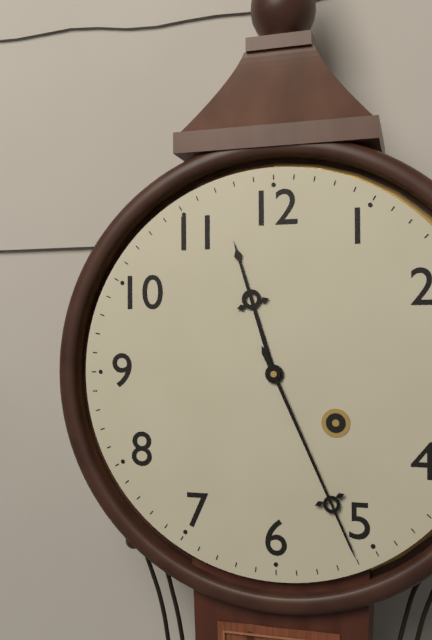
11:26
